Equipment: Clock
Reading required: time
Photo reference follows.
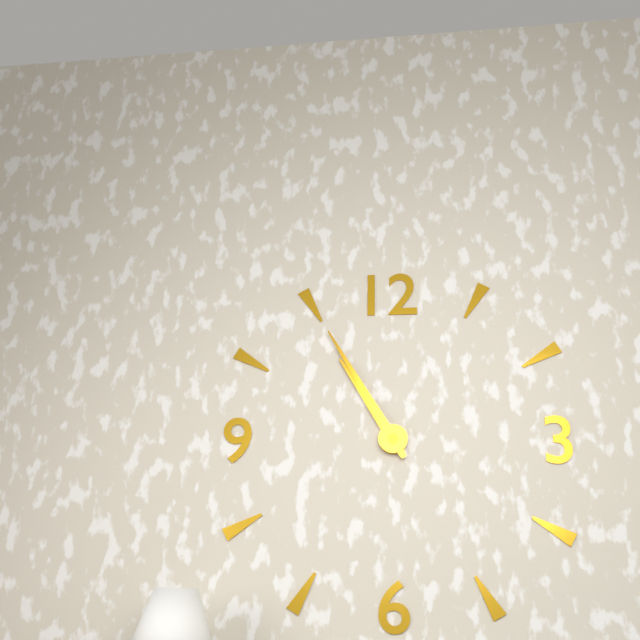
10:55
